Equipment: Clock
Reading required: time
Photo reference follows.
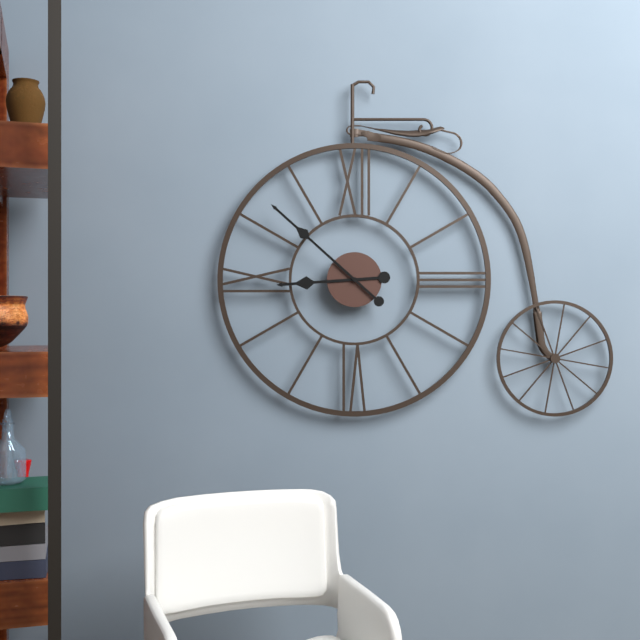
8:52
